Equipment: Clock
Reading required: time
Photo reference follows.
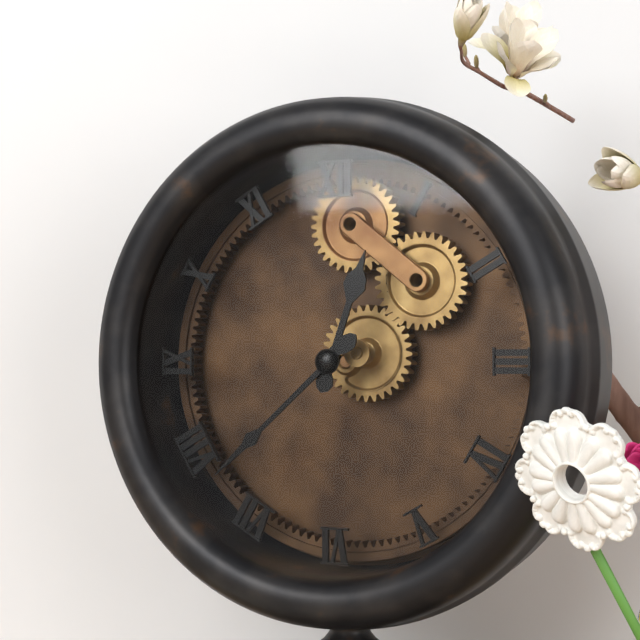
12:38
